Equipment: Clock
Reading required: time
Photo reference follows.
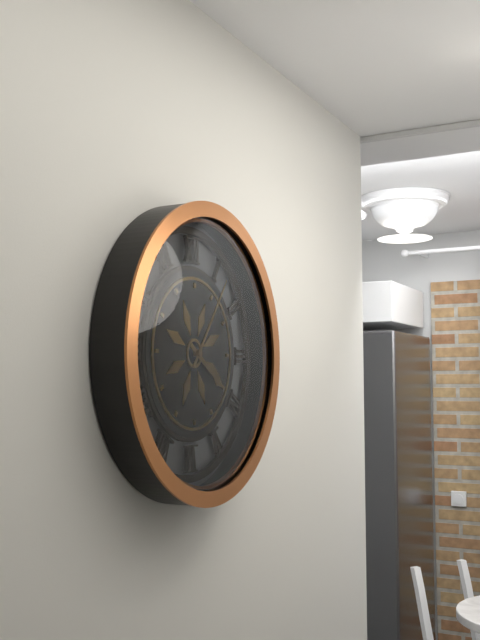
4:06
